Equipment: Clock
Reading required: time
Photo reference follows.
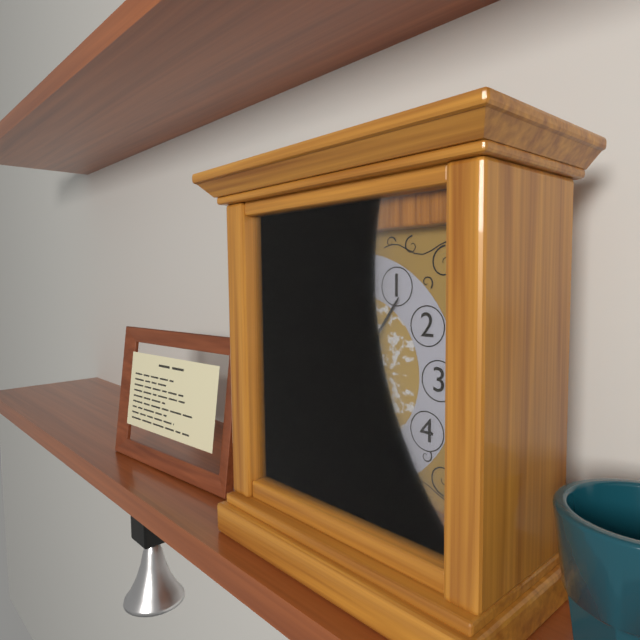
12:06
